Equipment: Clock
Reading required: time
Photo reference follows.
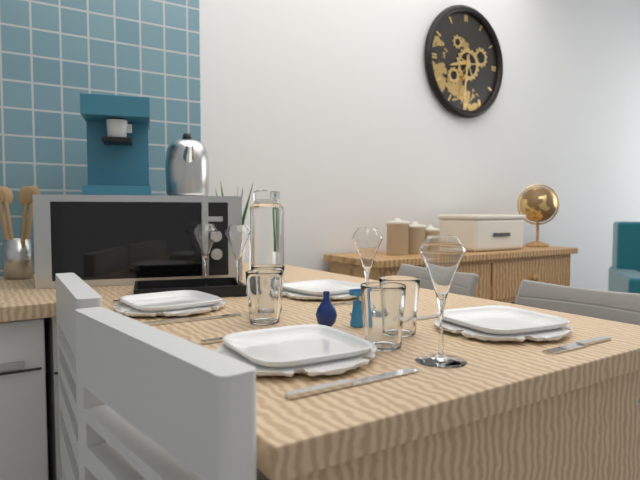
8:31
